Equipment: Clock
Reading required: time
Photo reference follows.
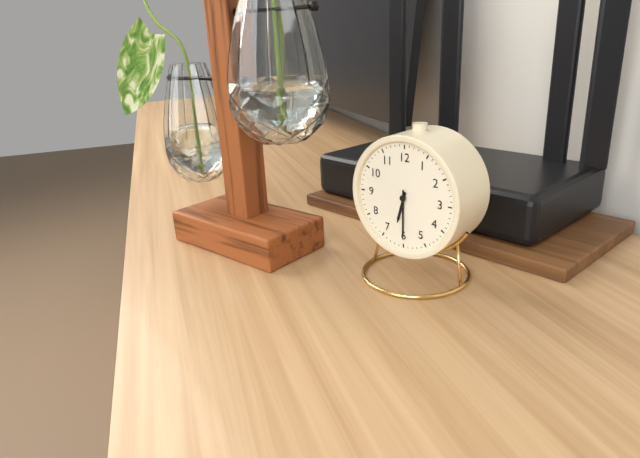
6:30
